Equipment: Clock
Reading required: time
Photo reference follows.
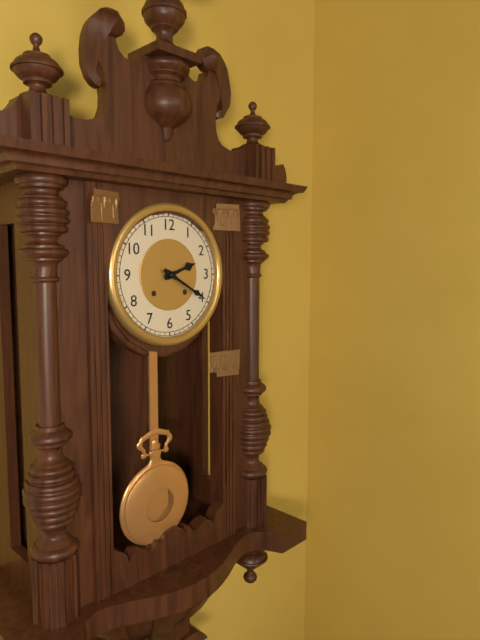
2:20
